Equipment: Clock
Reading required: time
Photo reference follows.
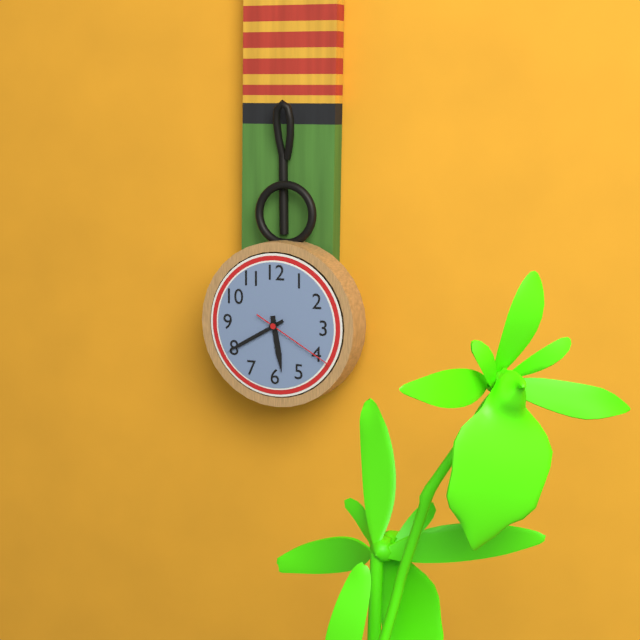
5:40:20
